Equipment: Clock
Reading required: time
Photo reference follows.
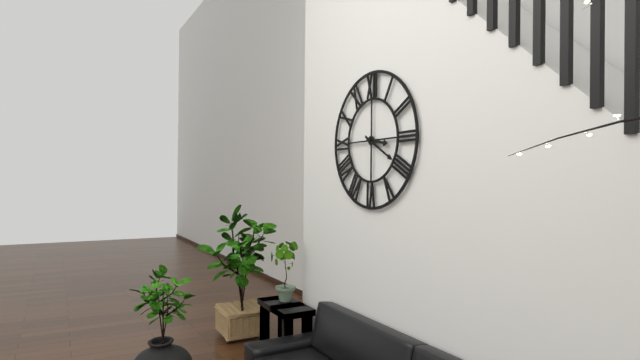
3:20
